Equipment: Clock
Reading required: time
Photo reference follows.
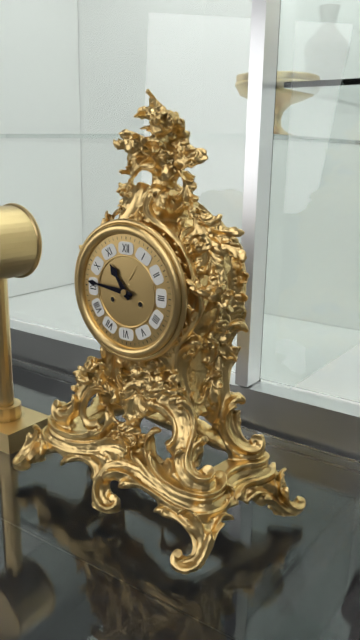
10:46
